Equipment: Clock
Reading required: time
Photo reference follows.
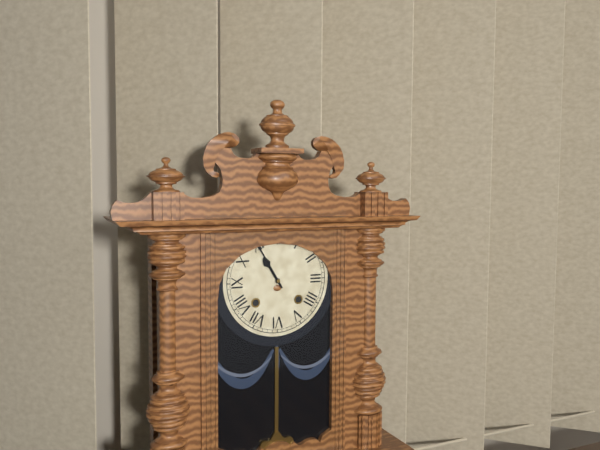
10:55
